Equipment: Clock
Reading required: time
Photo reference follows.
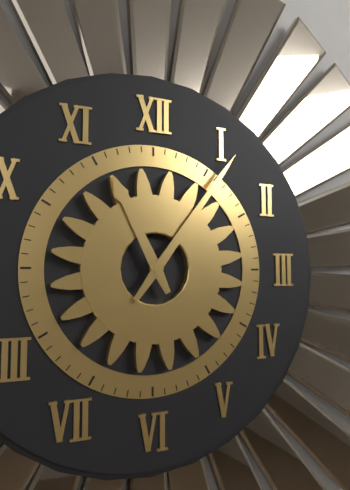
11:06
